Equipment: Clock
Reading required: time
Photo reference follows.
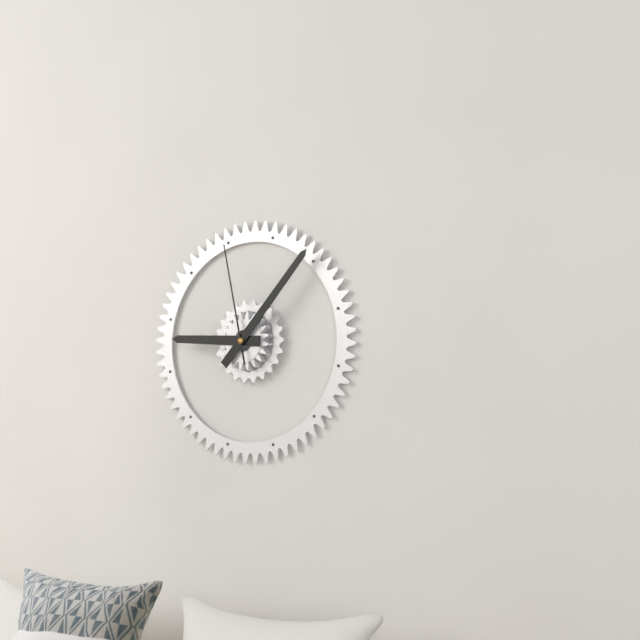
9:07:58
